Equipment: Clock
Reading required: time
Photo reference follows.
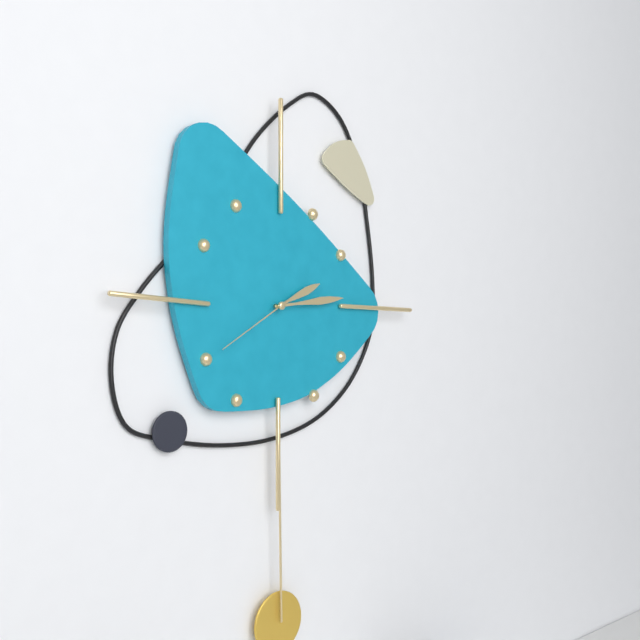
2:14:40
